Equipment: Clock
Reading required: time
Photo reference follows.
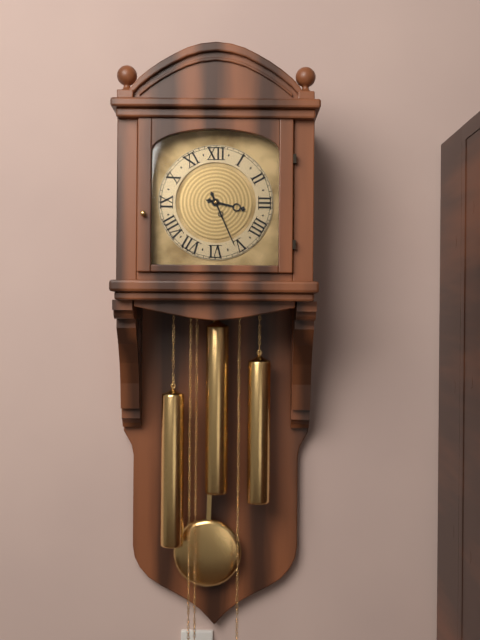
3:26
